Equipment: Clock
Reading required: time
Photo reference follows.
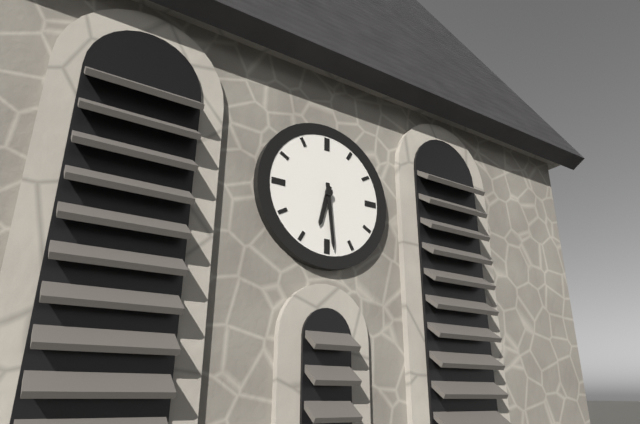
6:29
